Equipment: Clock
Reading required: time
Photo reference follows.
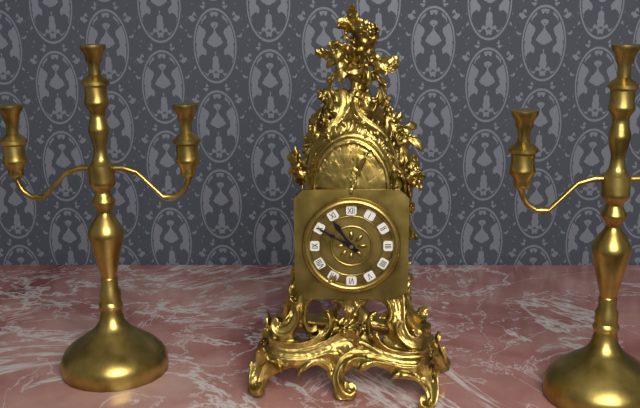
10:50
